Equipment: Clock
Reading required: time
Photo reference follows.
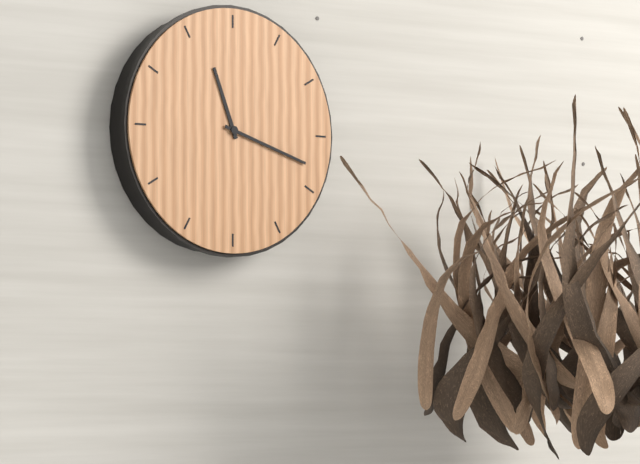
11:18
